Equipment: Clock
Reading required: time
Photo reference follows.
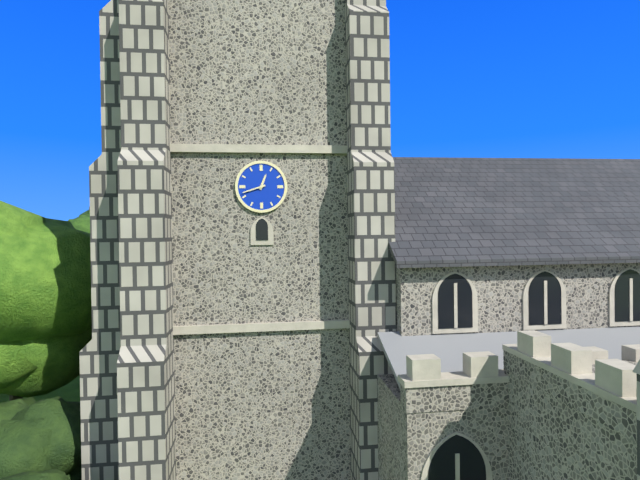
12:42
